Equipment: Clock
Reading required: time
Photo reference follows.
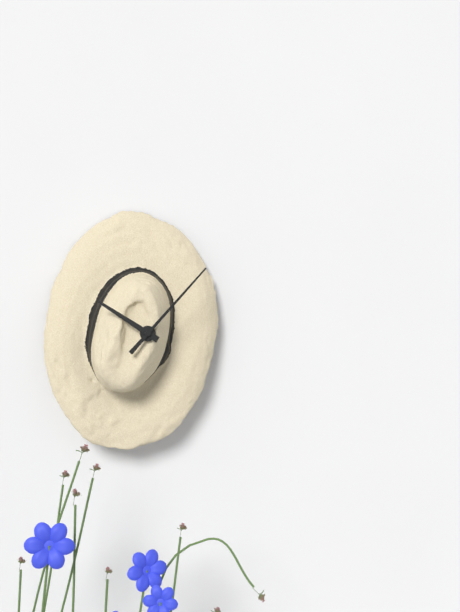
10:07
